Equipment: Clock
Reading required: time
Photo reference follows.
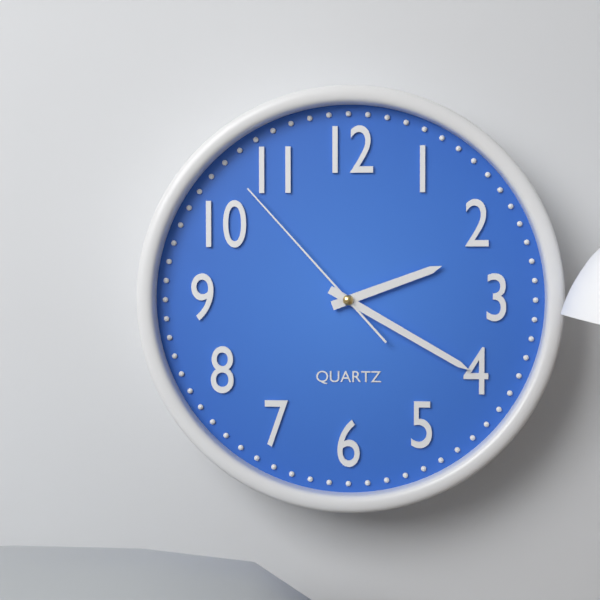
2:20:53
